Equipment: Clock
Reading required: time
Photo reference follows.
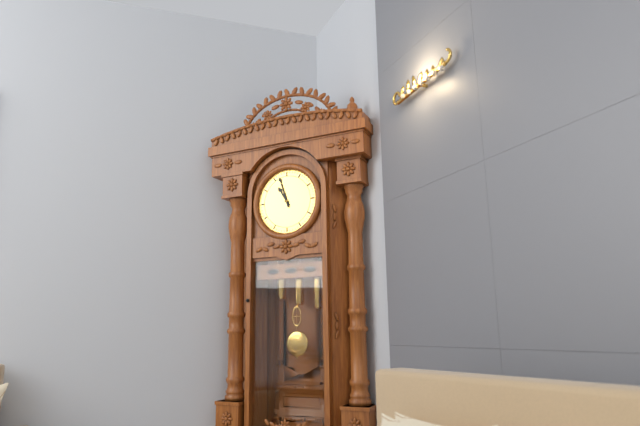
10:57
